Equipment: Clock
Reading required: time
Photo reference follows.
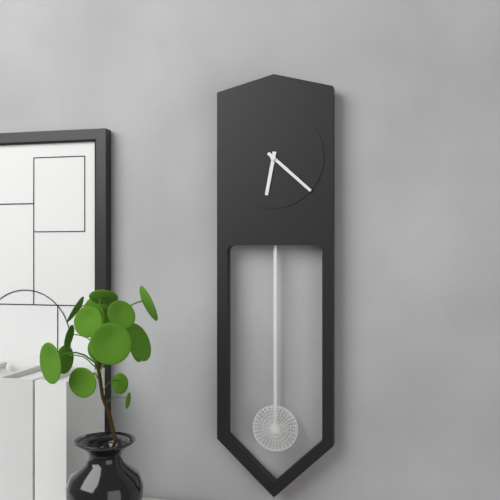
6:22
